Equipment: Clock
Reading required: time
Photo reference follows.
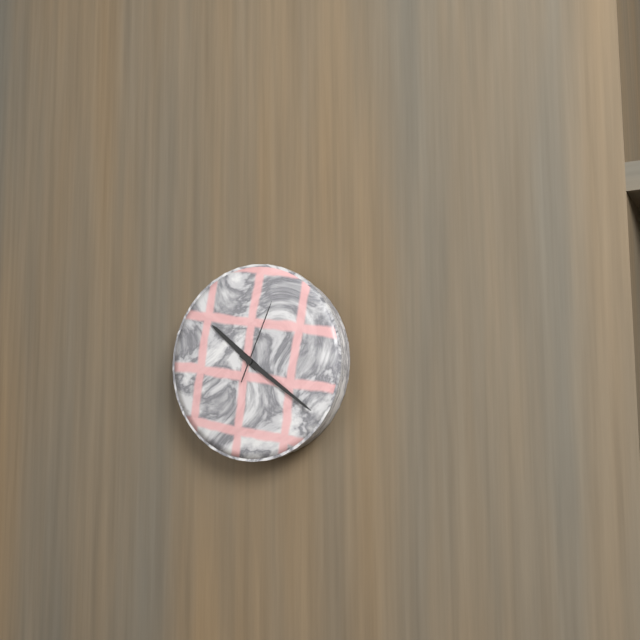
10:21:04
